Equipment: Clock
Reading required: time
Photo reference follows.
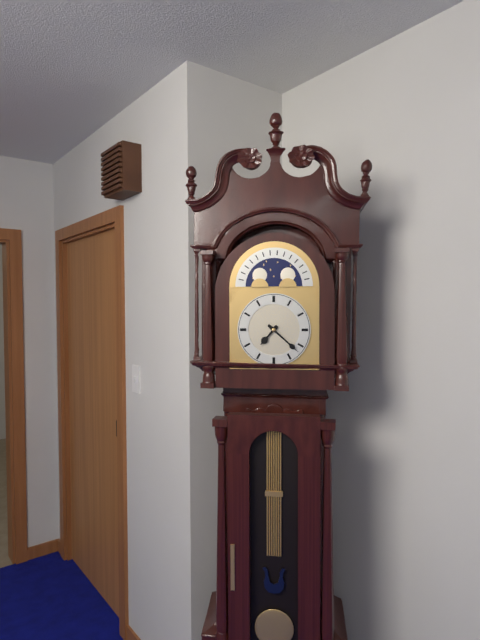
7:22
